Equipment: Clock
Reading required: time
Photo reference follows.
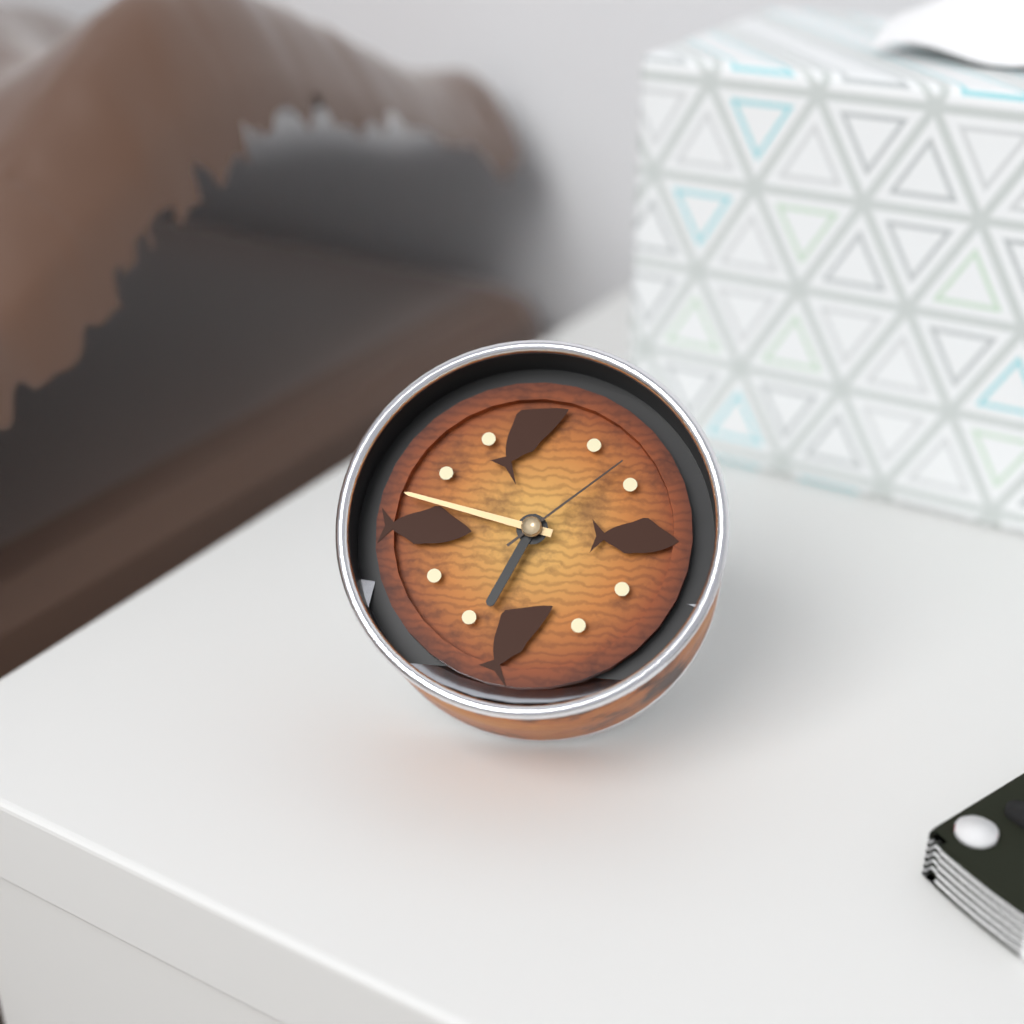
6:47:08
